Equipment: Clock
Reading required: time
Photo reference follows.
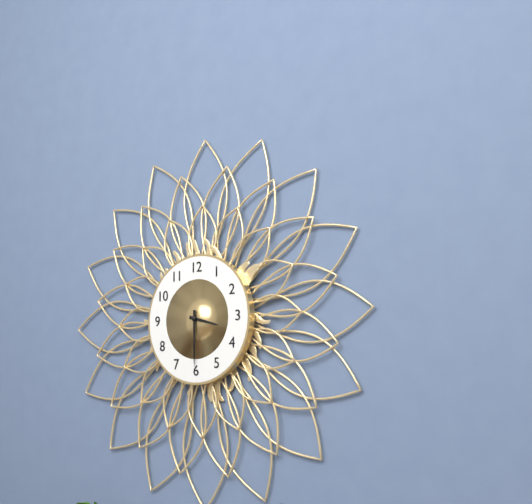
3:30
